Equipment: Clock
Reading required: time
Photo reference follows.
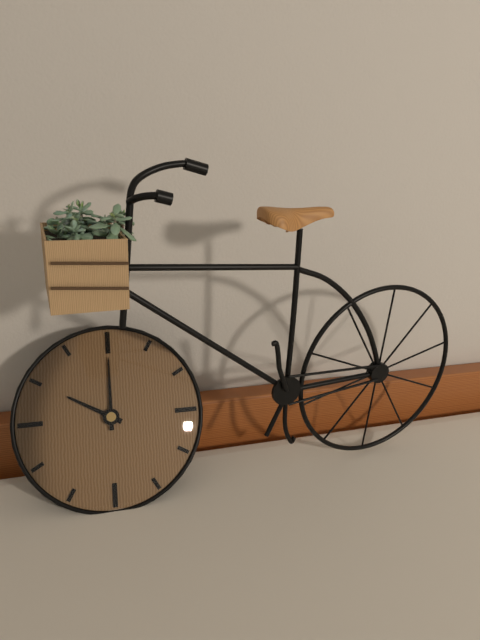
10:00
